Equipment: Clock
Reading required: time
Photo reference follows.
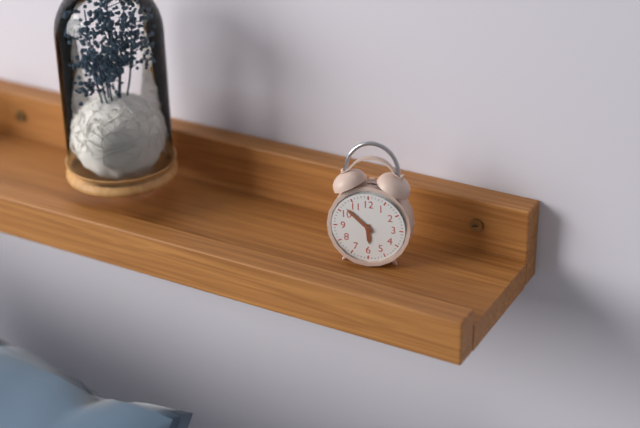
5:52
